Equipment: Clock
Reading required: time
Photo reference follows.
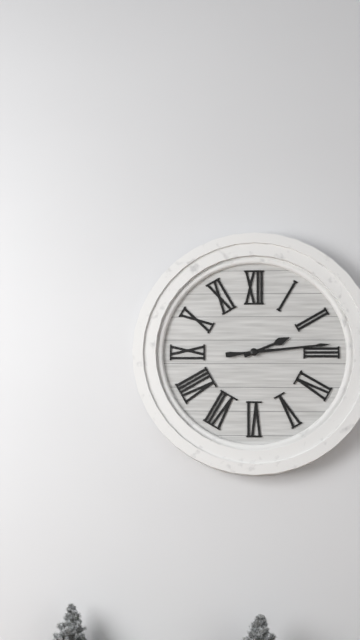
2:14
